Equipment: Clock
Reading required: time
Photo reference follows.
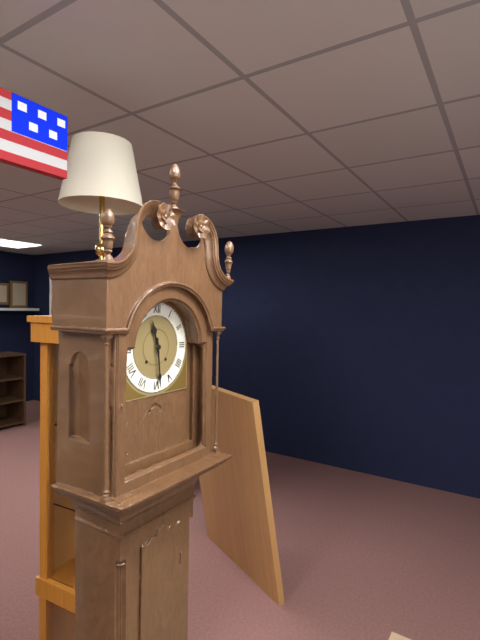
11:29
